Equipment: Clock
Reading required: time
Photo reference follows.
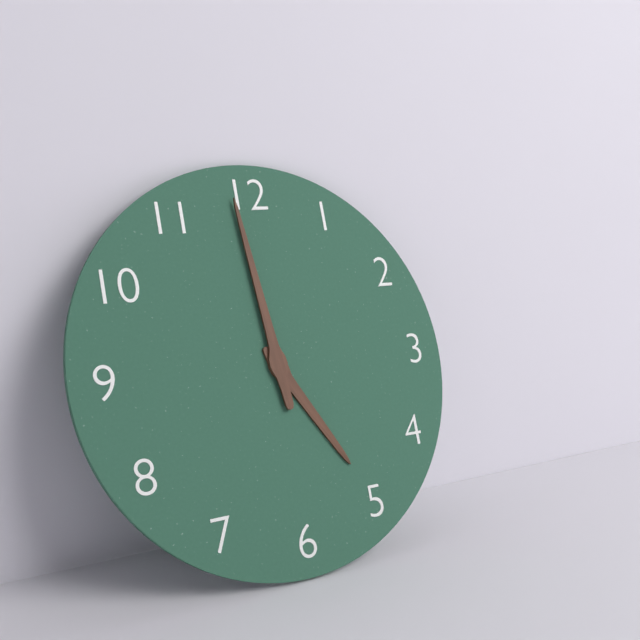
4:59
